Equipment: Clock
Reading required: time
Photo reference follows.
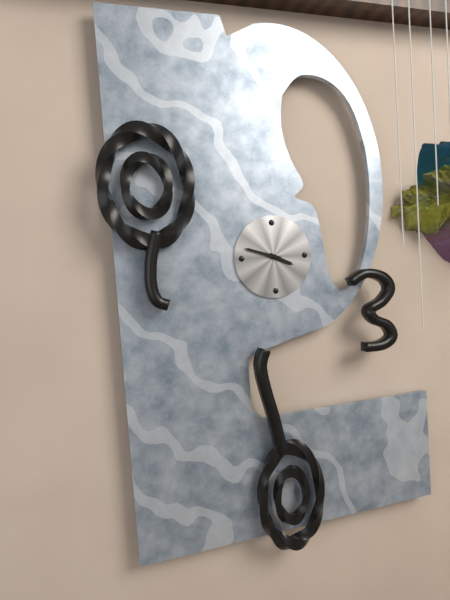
3:48
